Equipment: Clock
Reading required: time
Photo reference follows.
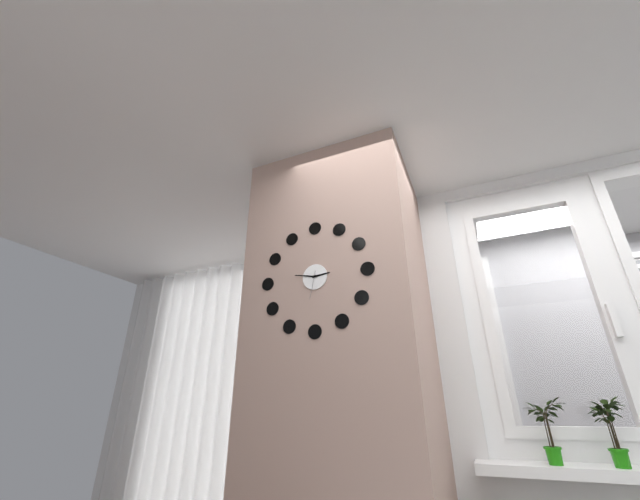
2:47
